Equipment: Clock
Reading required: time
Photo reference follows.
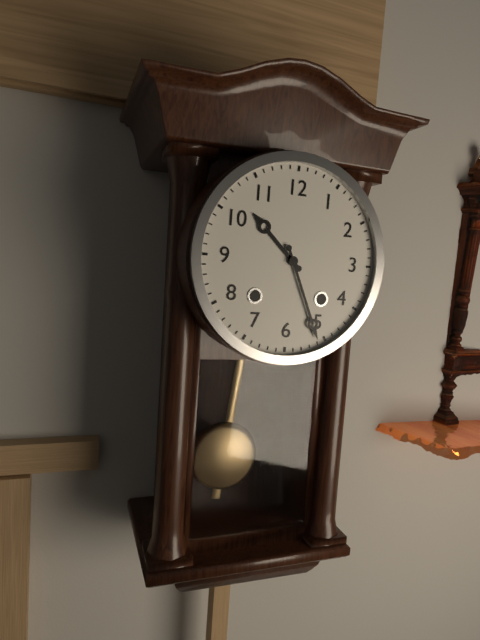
10:26
